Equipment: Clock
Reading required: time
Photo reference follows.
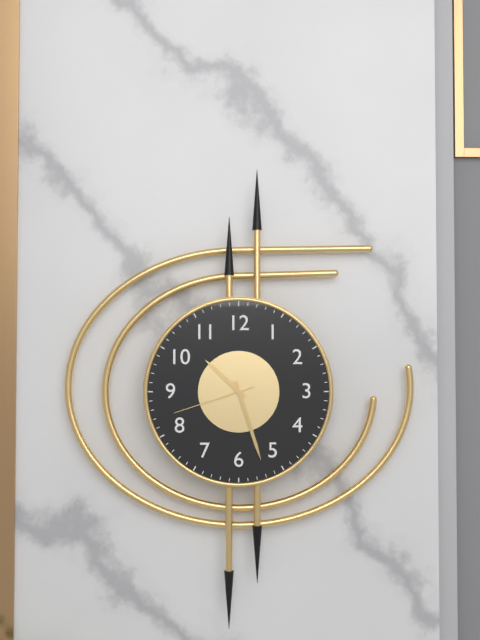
10:27:42
